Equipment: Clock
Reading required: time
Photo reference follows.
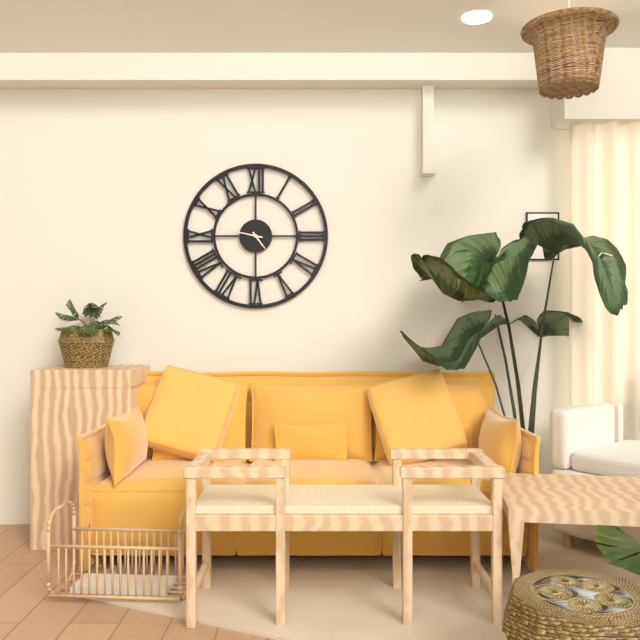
4:47
